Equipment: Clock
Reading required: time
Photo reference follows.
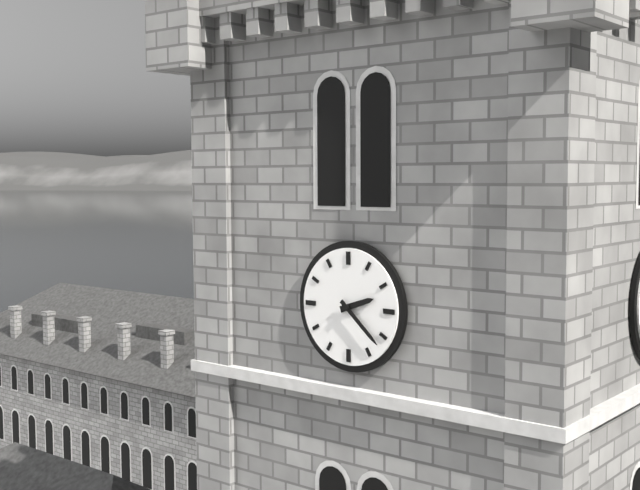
2:22
